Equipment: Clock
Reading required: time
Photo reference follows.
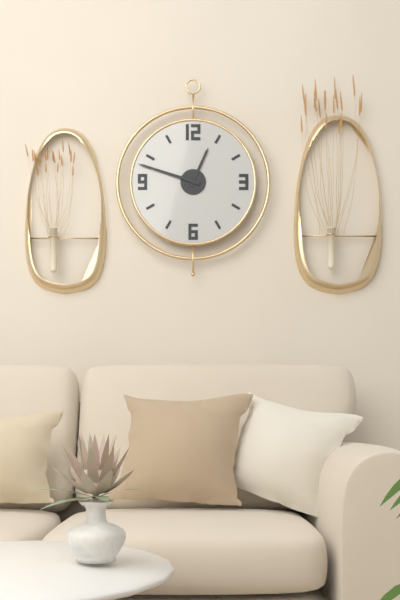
12:48
